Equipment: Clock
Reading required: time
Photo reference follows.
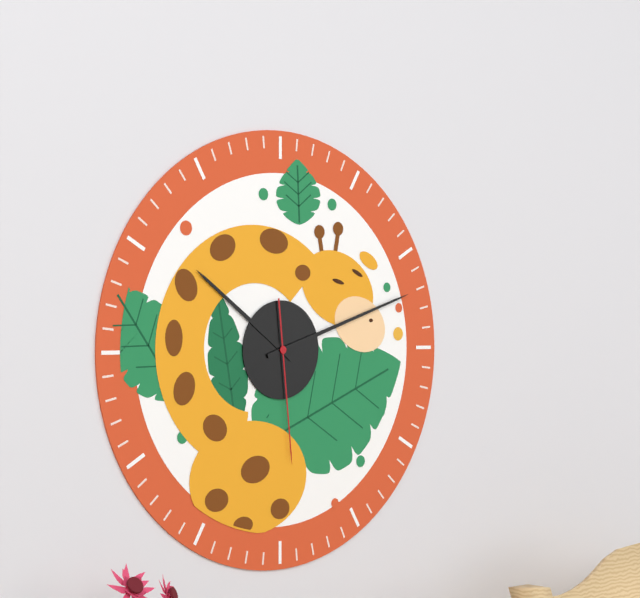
10:12:29
